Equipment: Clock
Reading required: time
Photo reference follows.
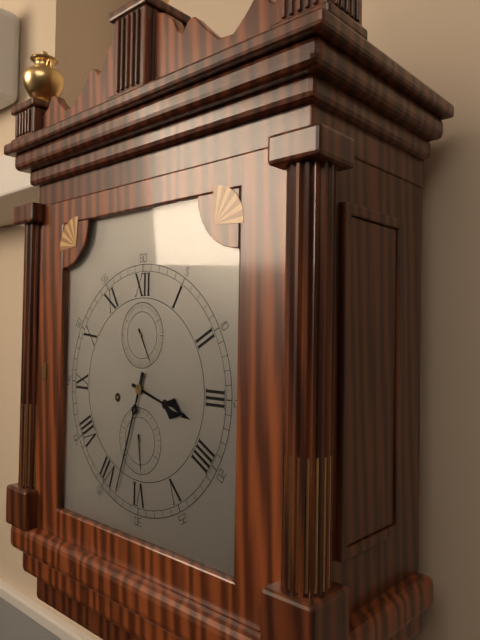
3:33
